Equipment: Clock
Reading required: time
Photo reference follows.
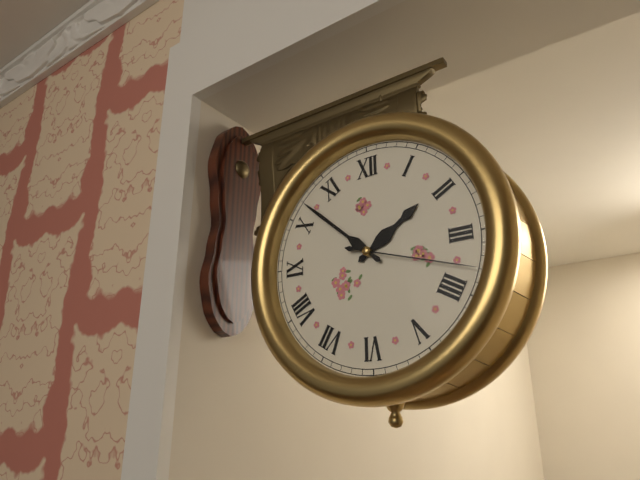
1:52:18
